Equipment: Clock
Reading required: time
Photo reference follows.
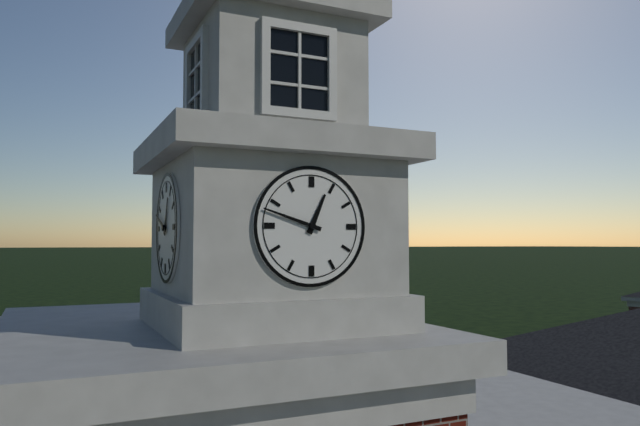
12:48
